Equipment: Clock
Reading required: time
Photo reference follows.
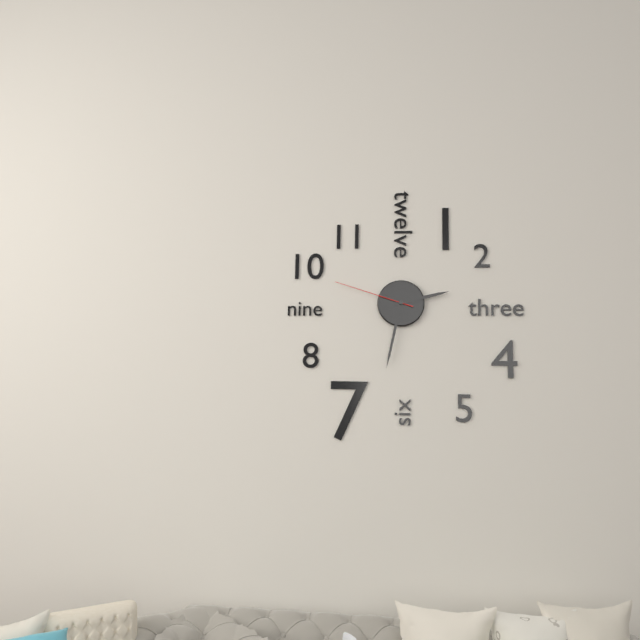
2:32:48
